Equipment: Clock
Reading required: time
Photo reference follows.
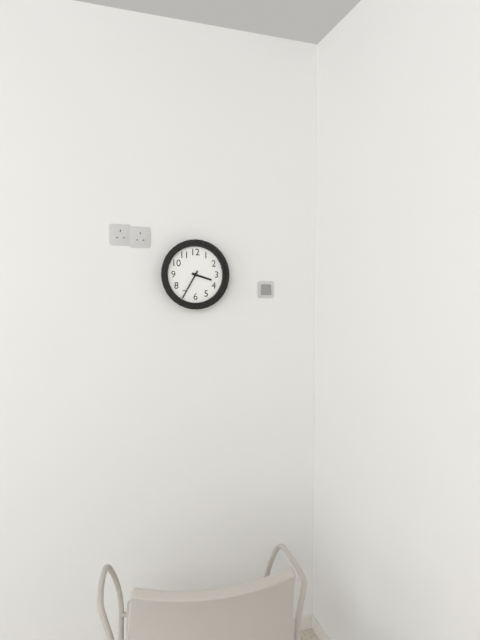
3:35
